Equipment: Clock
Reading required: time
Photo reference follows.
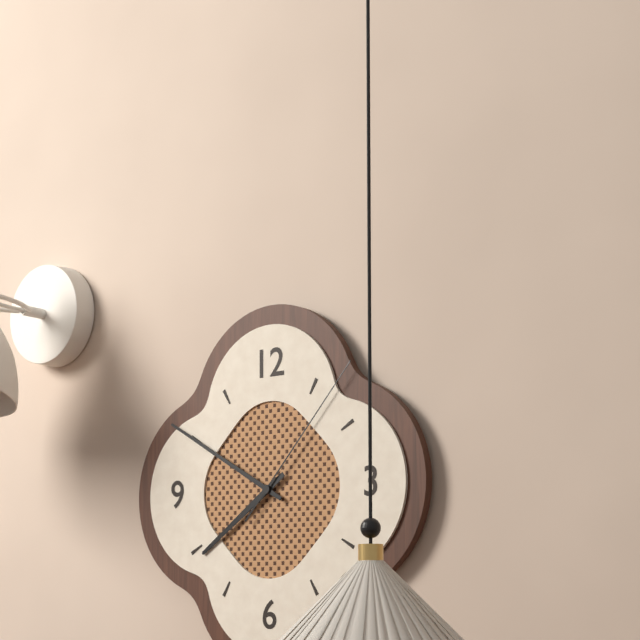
7:50:07
